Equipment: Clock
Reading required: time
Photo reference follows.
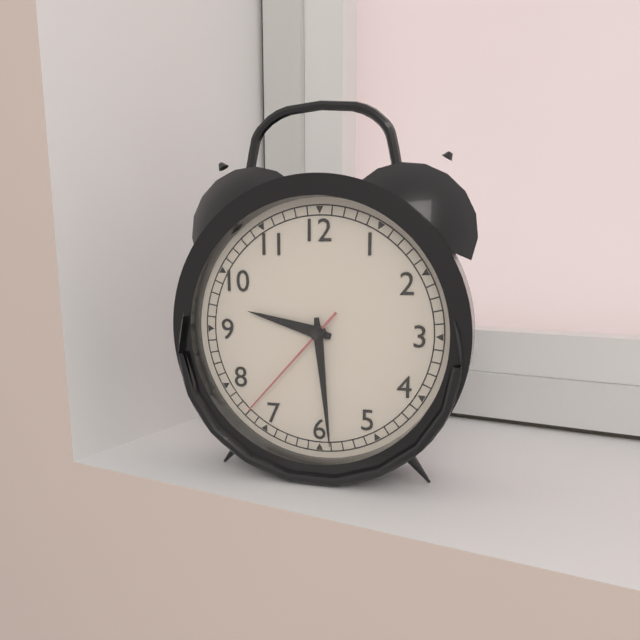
9:29:37
